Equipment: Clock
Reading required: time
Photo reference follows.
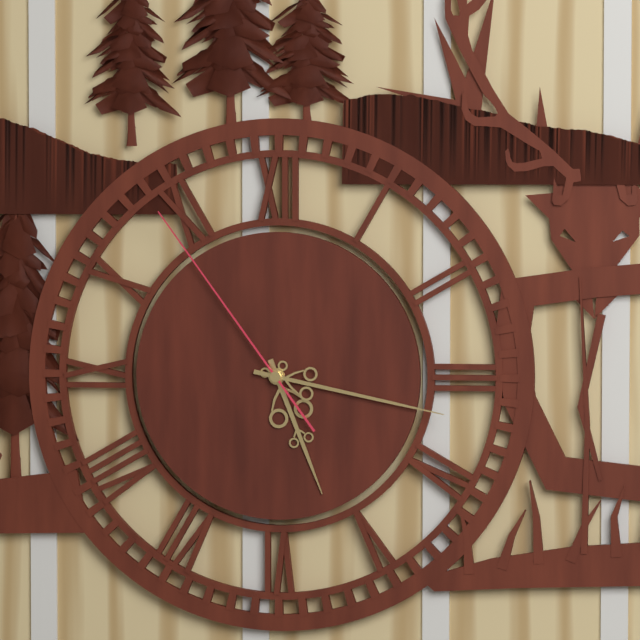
5:17:54
